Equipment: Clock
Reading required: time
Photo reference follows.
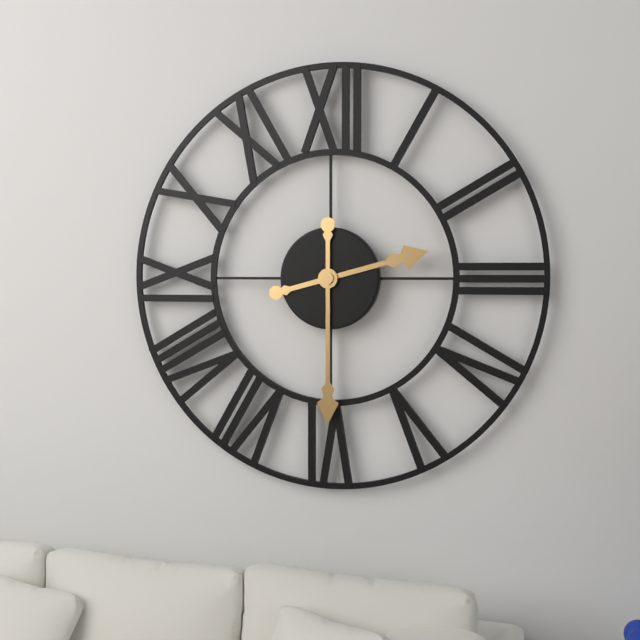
2:30
